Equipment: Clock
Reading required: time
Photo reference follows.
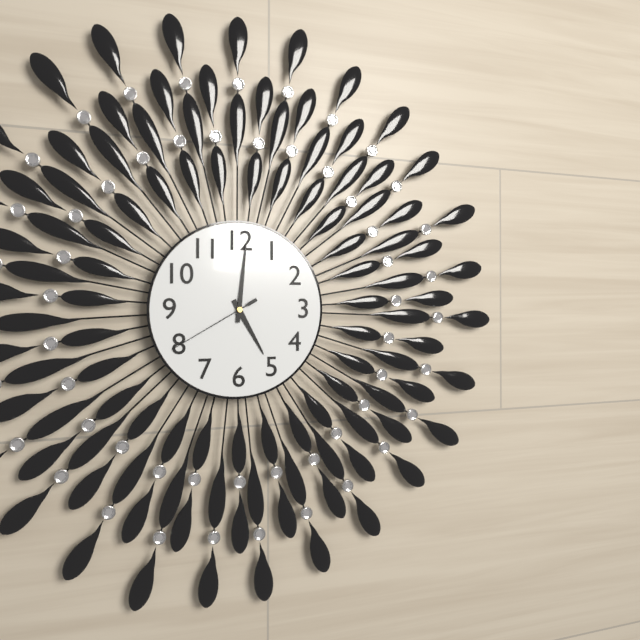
5:01:40
